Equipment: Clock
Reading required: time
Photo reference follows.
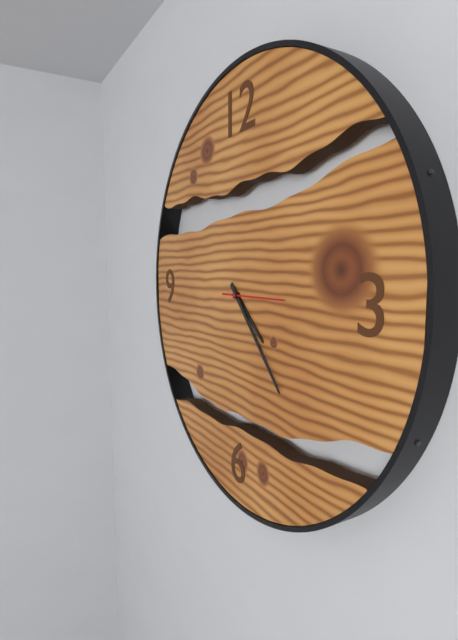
4:23:15
